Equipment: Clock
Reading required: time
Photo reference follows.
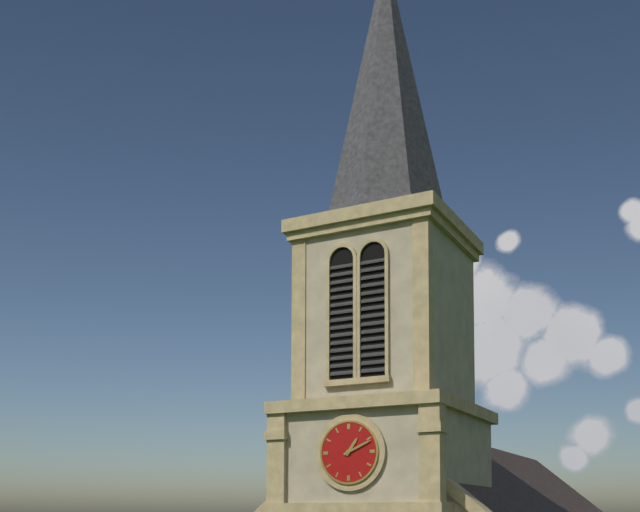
1:11
